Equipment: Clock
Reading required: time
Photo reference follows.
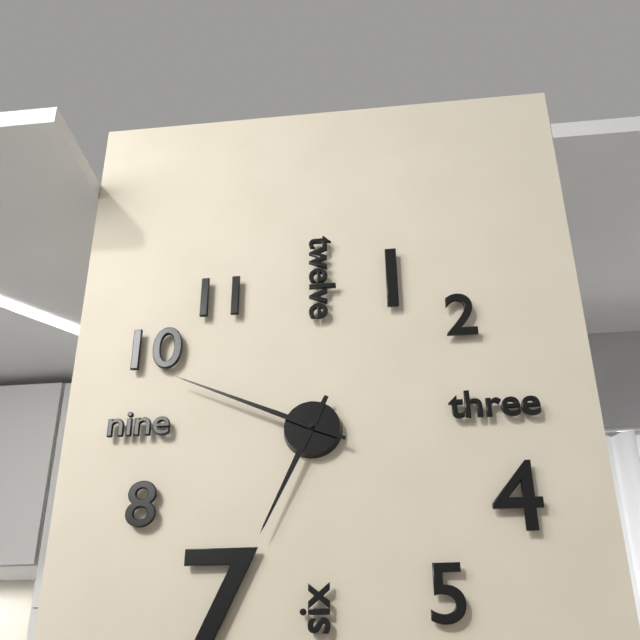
6:49
